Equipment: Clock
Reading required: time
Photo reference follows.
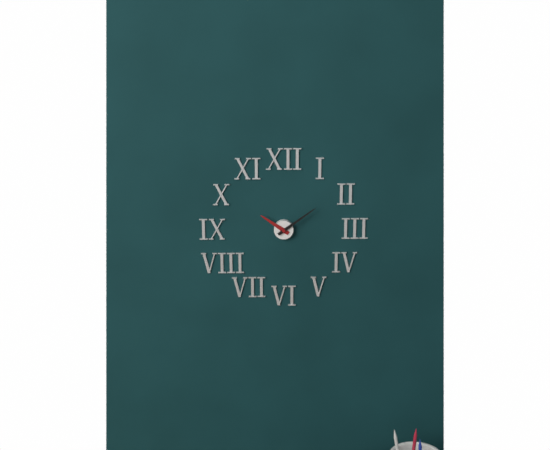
10:09
